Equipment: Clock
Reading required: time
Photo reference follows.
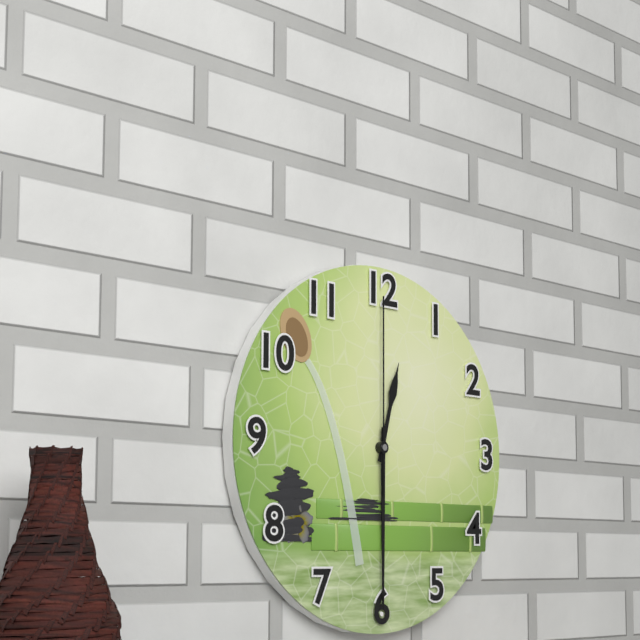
12:30:00
